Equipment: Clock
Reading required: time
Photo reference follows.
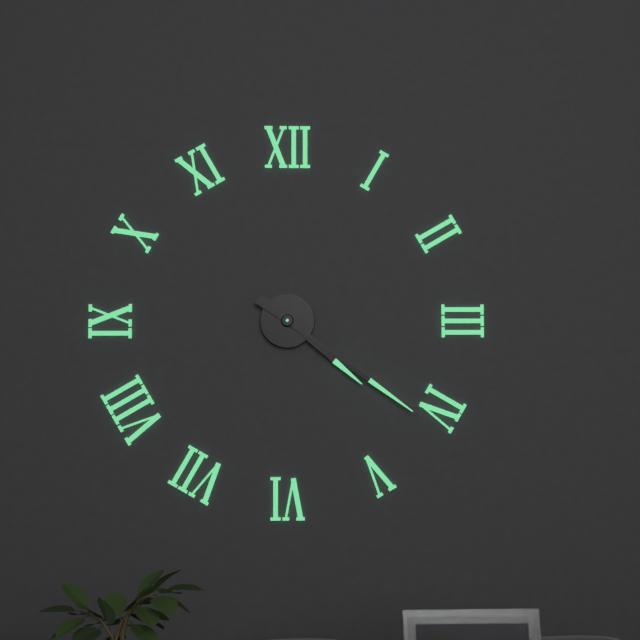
4:21
